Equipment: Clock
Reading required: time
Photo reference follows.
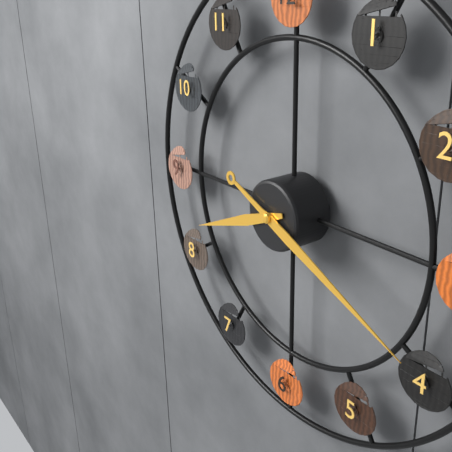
8:19
